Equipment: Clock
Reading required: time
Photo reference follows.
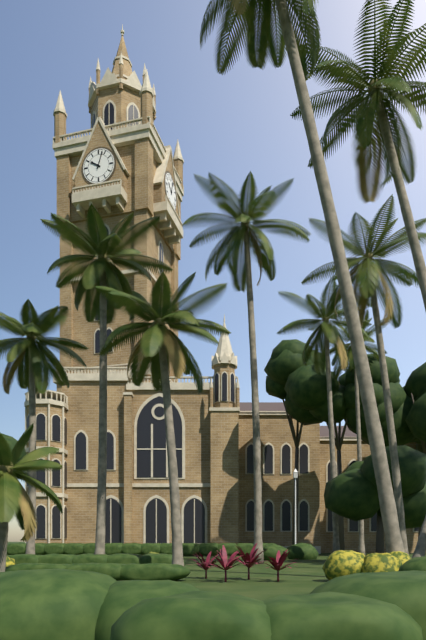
10:03
